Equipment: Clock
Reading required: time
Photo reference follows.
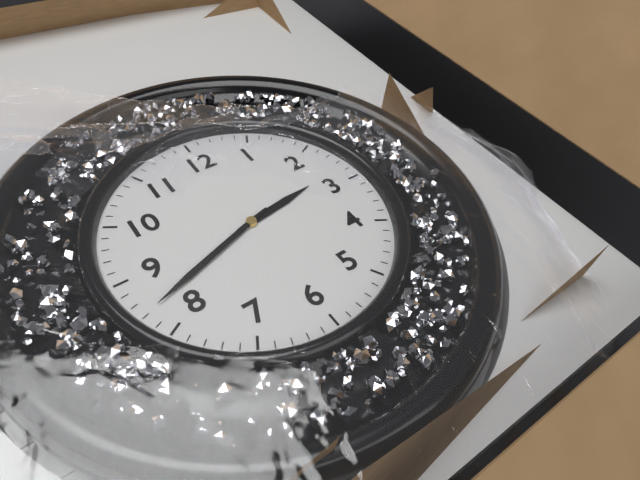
2:42
